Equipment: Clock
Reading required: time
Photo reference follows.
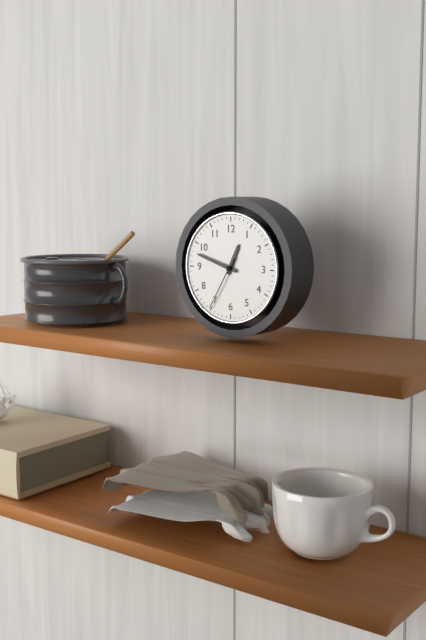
12:48:35
